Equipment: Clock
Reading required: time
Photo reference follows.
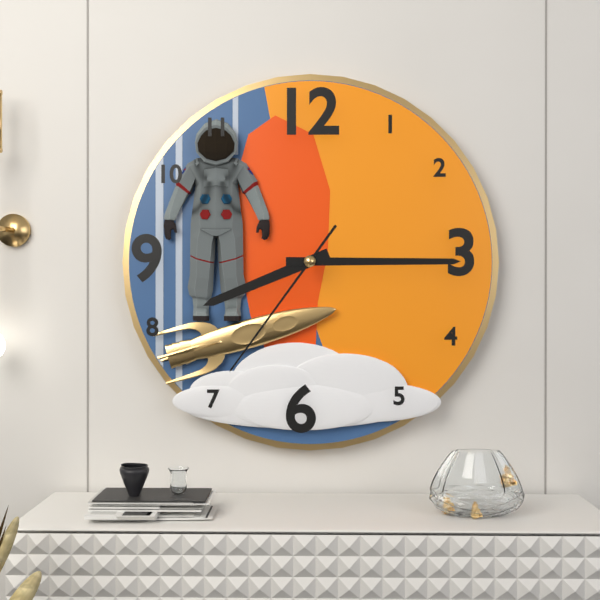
8:15:36
